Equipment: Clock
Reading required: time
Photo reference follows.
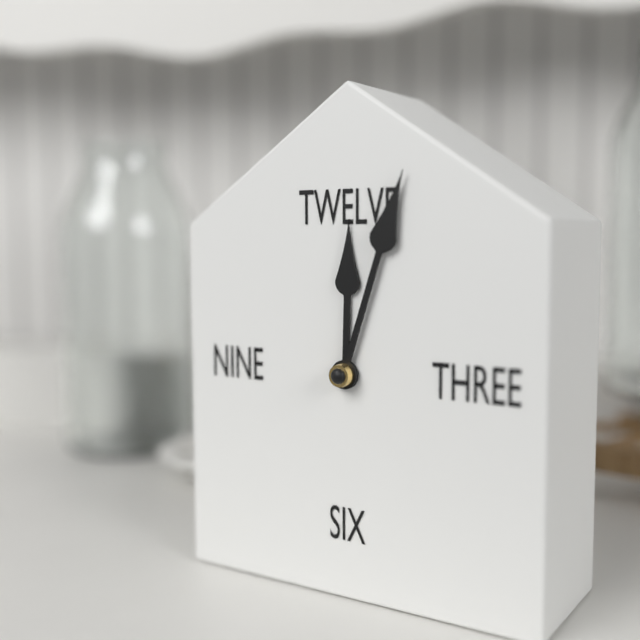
12:03
